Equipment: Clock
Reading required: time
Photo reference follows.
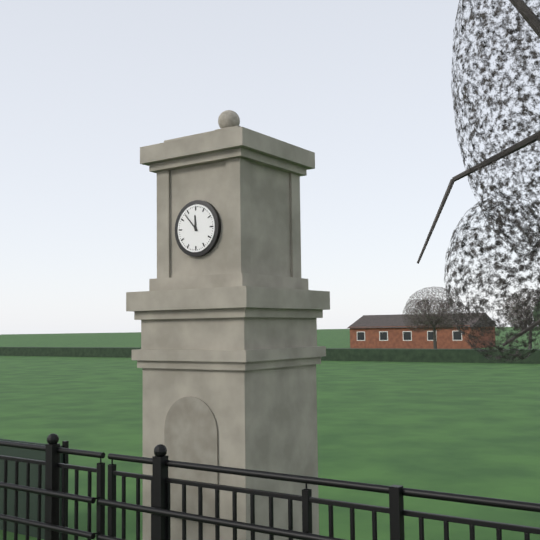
11:53
